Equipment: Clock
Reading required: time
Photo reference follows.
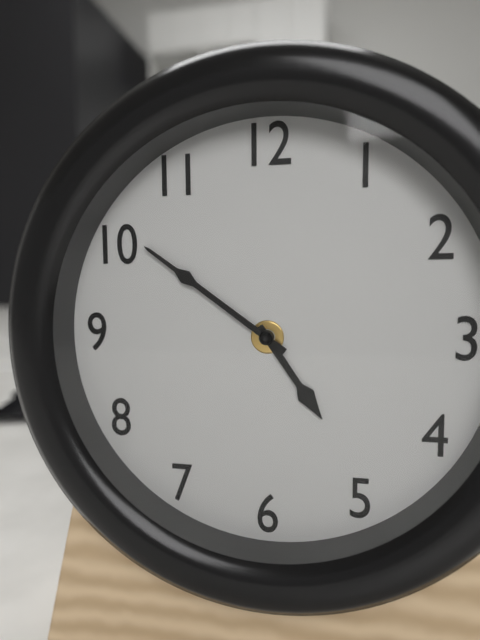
4:51
